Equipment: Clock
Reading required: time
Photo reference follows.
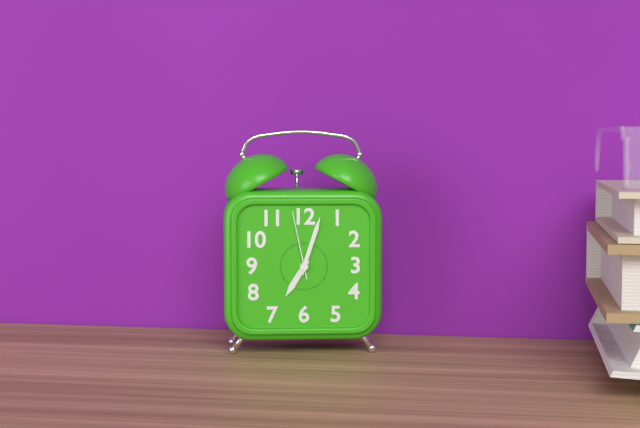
7:03:58
